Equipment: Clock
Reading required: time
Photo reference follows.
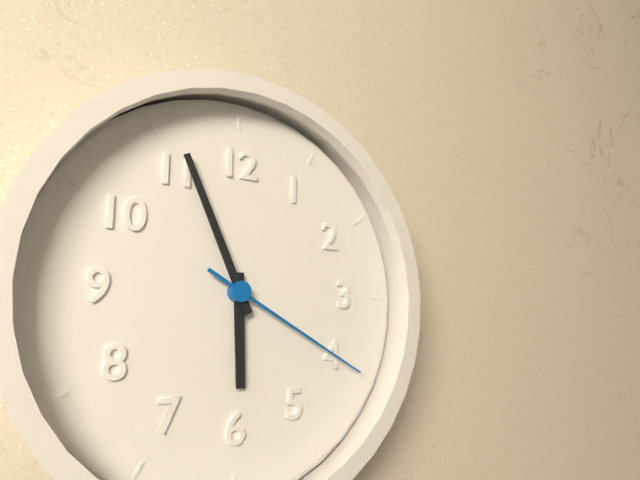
5:56:20
